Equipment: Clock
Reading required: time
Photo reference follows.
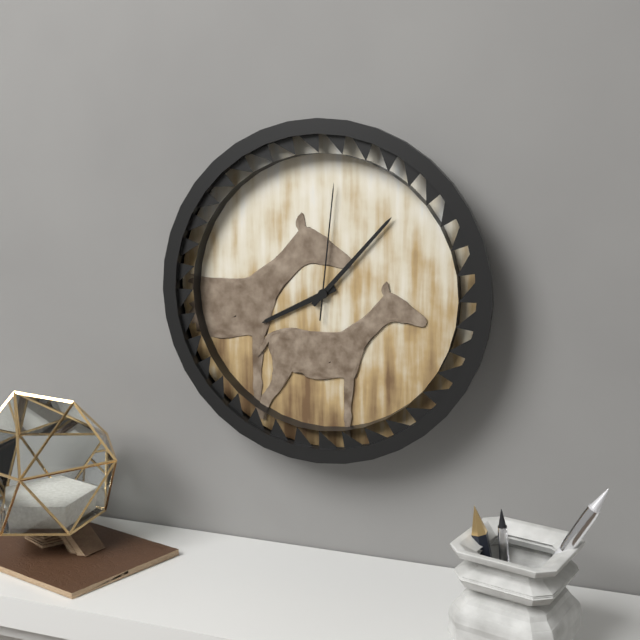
8:07:01
